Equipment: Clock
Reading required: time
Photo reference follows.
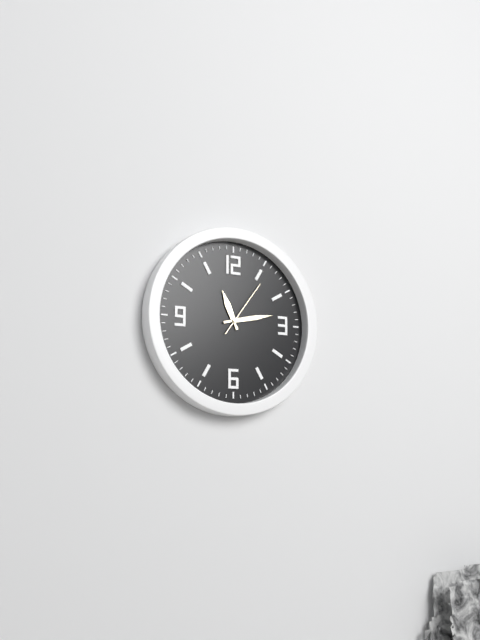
11:13:06
